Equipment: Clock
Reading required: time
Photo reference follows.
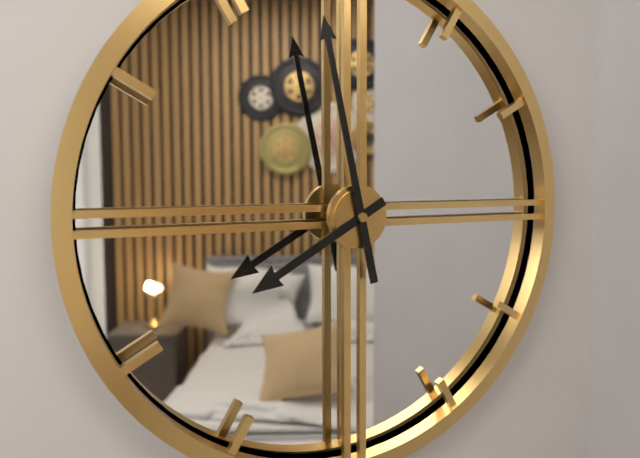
7:58
